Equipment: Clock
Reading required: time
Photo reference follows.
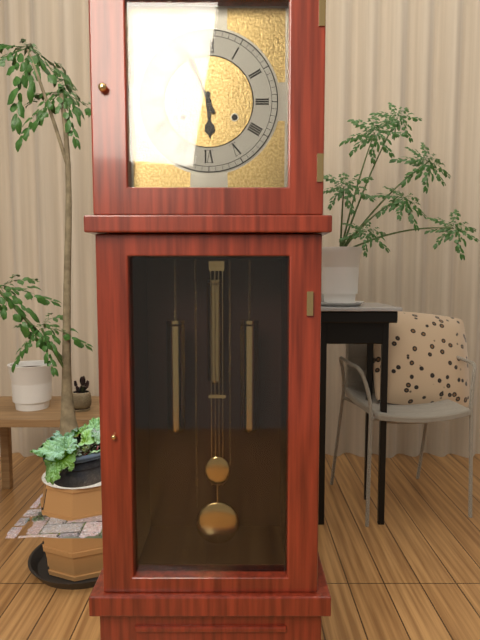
5:56
